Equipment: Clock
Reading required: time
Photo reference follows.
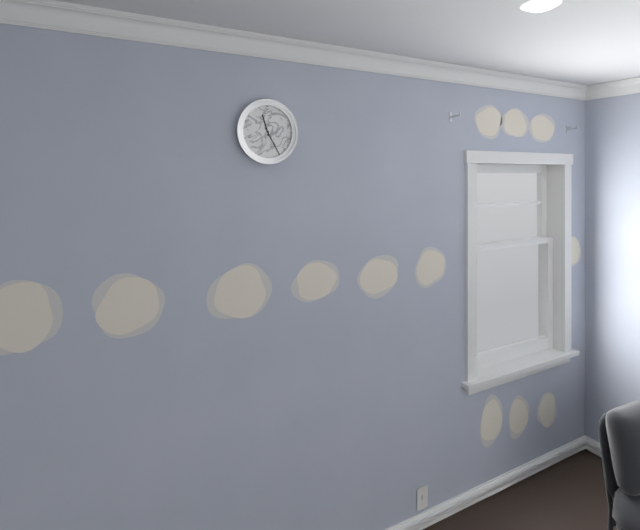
11:25
